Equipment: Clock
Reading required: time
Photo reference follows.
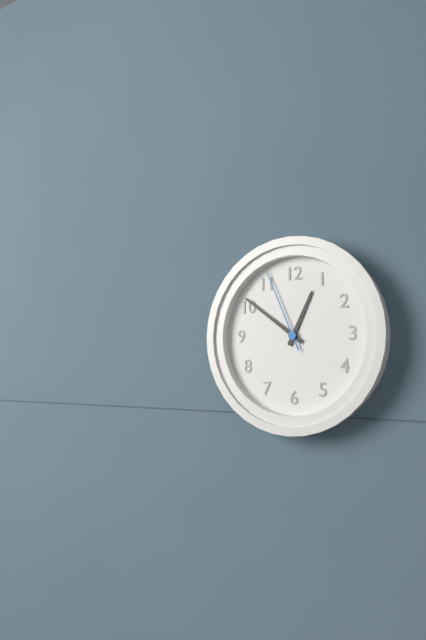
12:51:56
